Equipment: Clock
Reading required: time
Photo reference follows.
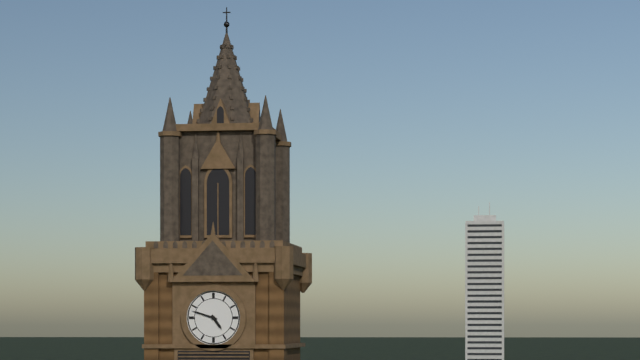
4:48
